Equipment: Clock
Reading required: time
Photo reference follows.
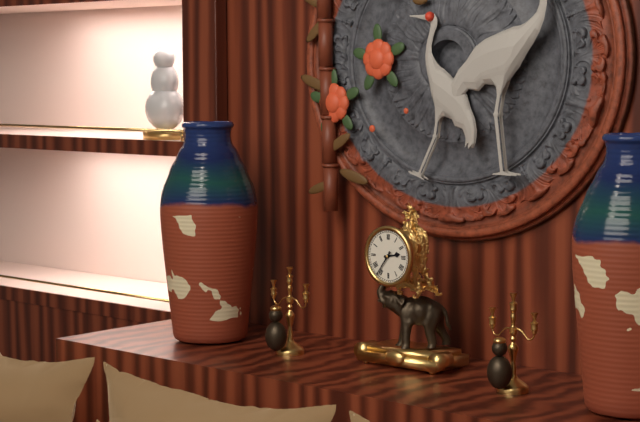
2:36
